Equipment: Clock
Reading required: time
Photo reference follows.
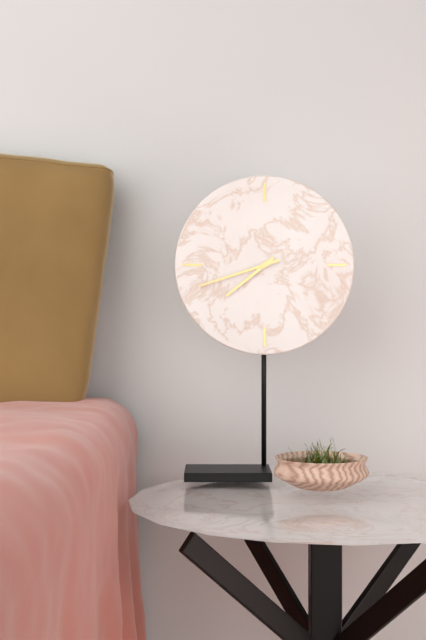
7:42
